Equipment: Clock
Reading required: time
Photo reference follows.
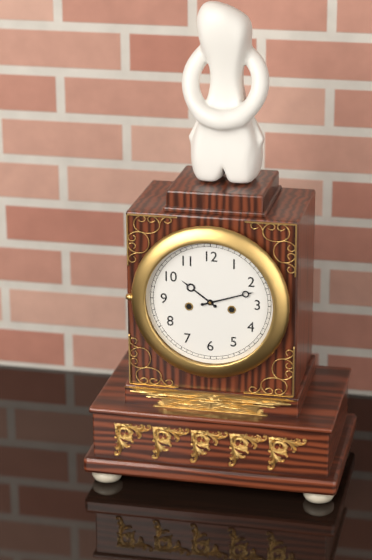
10:12
